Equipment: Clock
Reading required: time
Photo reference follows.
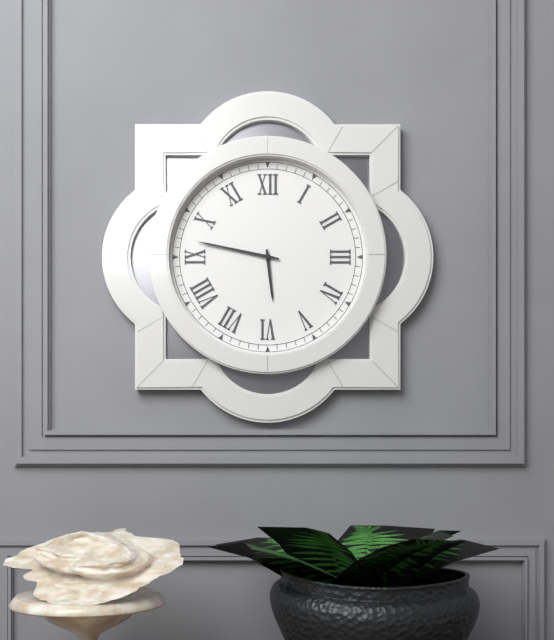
5:47
